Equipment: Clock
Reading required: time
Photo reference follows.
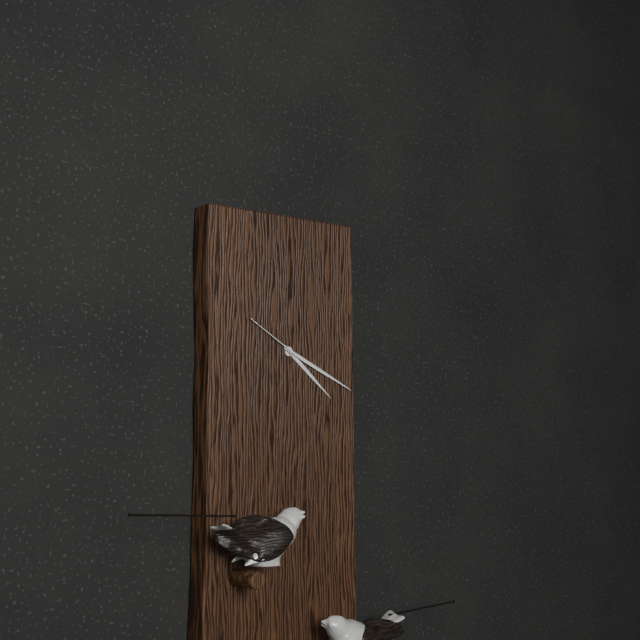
4:19:50
